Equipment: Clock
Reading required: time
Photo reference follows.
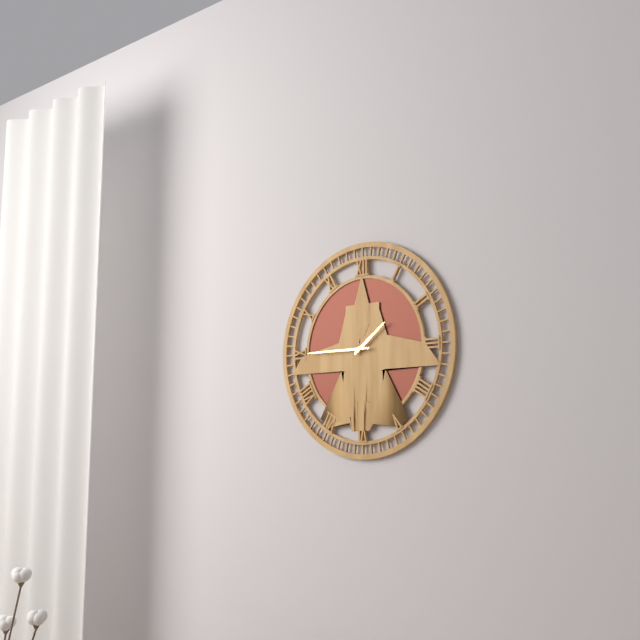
1:45
